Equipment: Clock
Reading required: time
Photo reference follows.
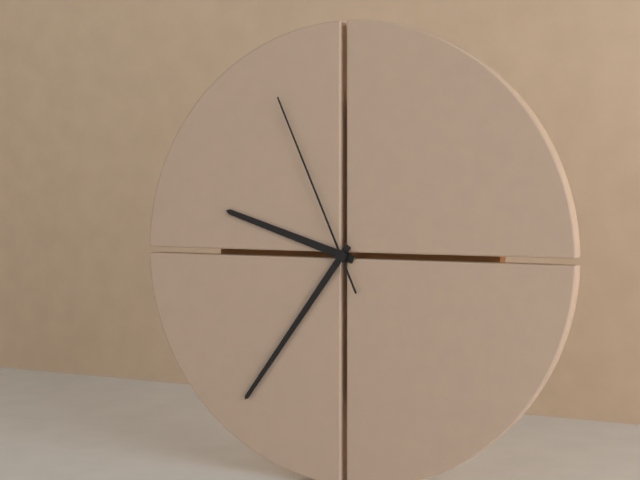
9:36:56
